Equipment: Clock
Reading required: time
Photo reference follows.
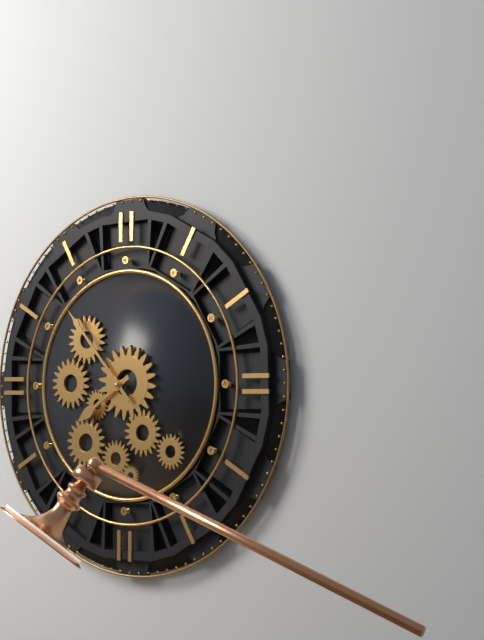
7:53
